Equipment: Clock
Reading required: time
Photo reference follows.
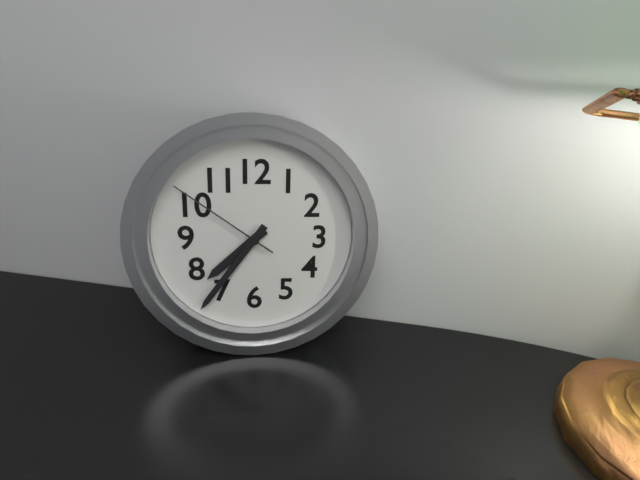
7:36:51
